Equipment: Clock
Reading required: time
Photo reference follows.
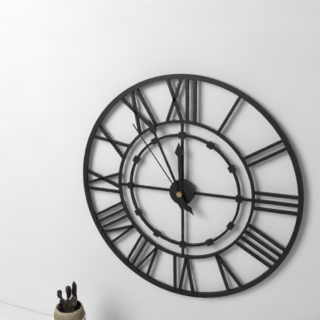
11:56:54
